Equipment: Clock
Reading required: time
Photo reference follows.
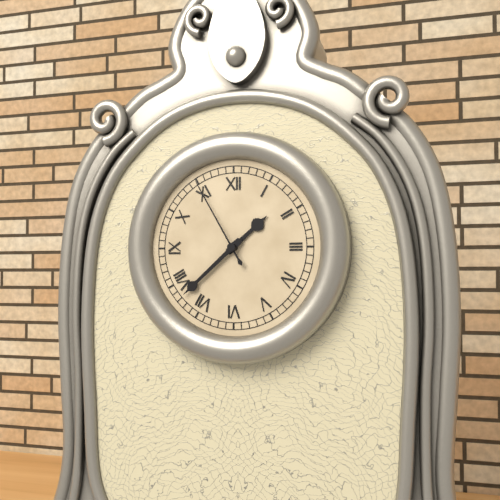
1:38:55
